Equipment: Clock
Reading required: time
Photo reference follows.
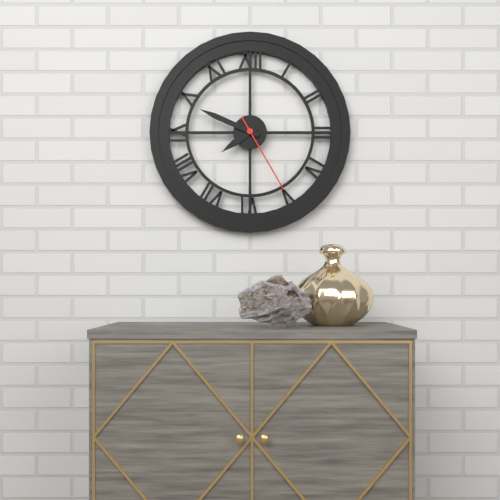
7:49:25
